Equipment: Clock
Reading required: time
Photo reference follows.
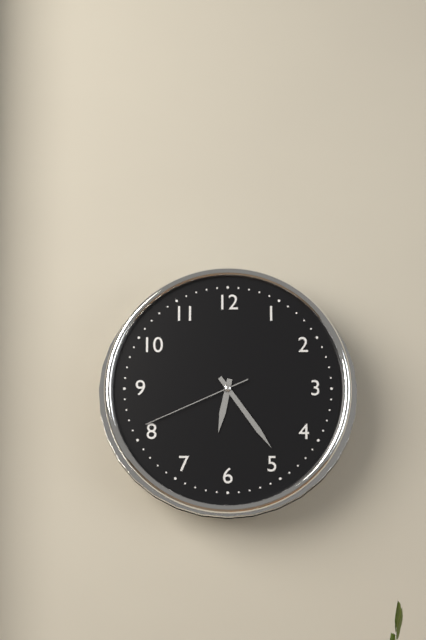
6:24:41
